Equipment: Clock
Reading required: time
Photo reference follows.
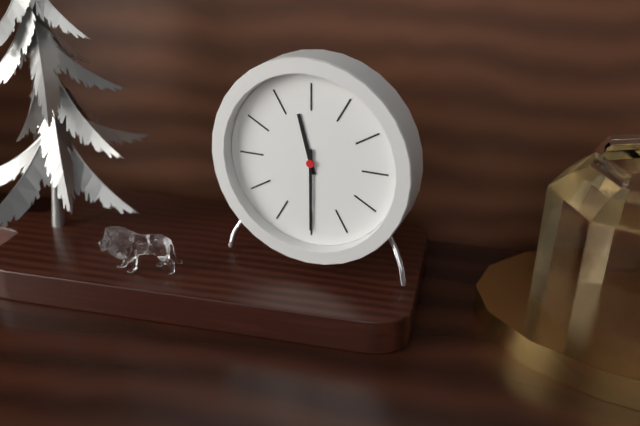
11:30
